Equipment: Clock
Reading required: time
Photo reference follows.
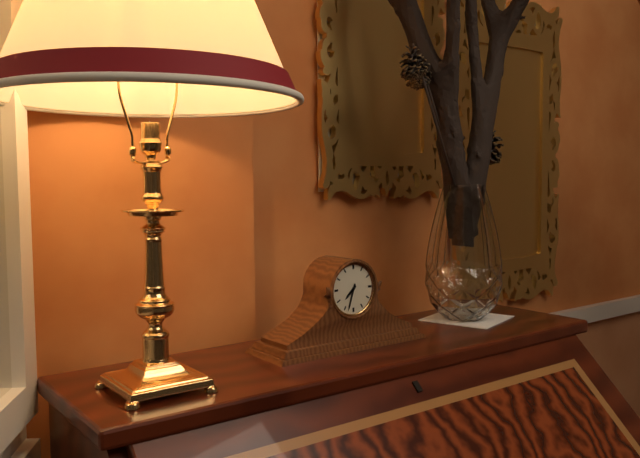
7:33
